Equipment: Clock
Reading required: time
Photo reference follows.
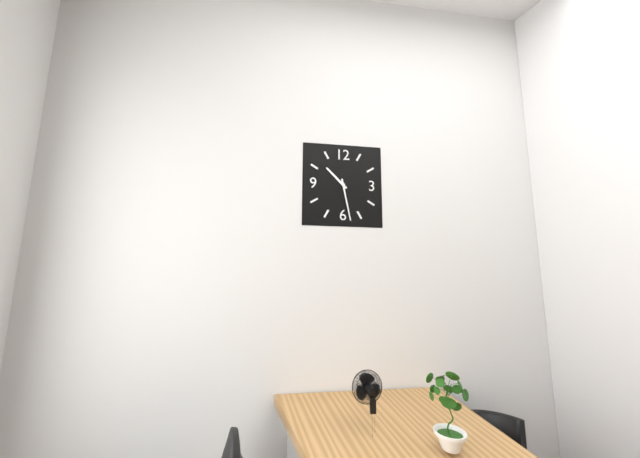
10:28
